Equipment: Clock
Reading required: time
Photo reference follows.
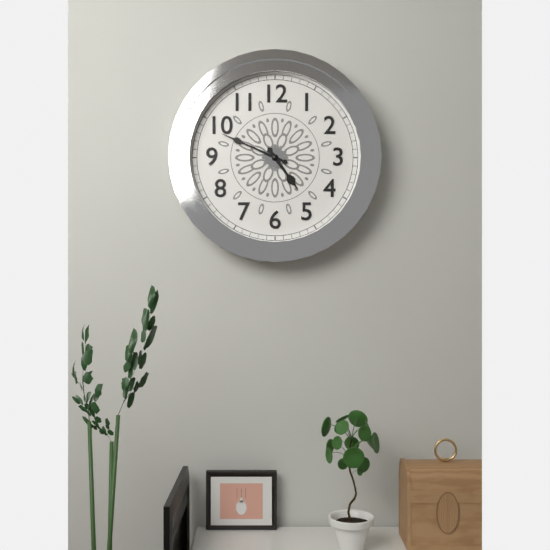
4:49
